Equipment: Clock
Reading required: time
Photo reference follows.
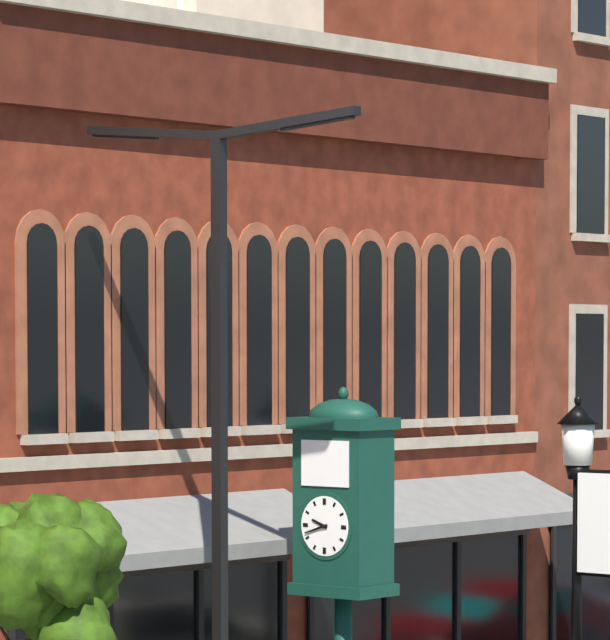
9:42
